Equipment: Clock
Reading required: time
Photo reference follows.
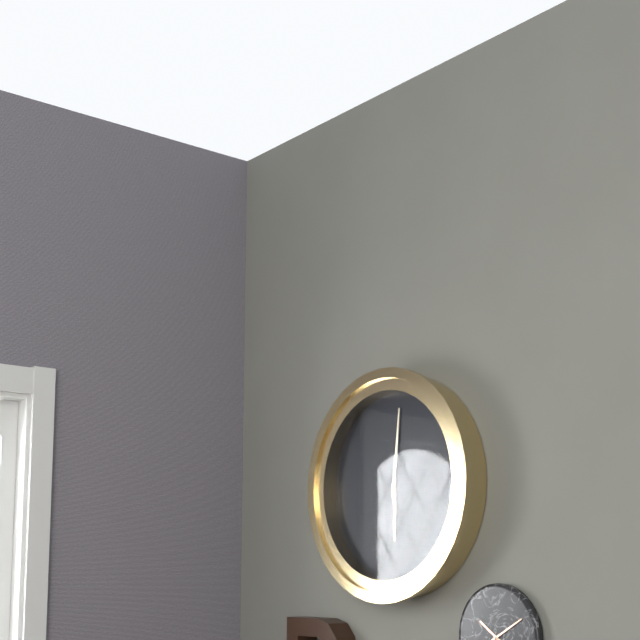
6:01
